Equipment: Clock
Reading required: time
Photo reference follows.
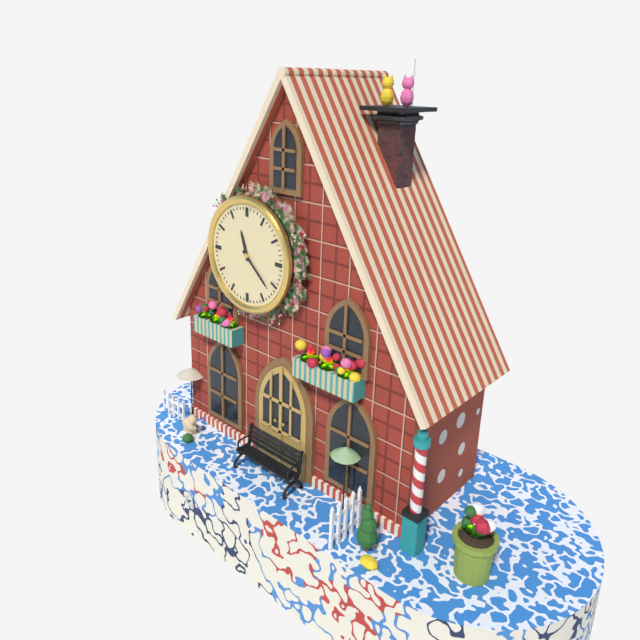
11:22
